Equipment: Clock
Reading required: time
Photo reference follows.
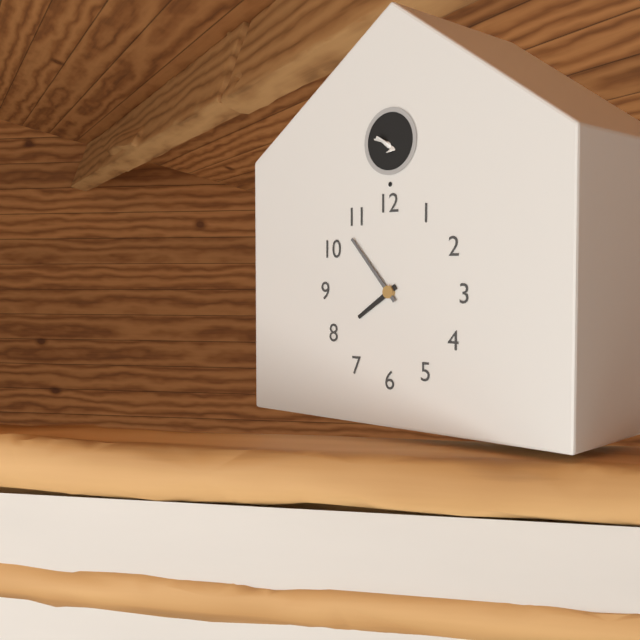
7:53
